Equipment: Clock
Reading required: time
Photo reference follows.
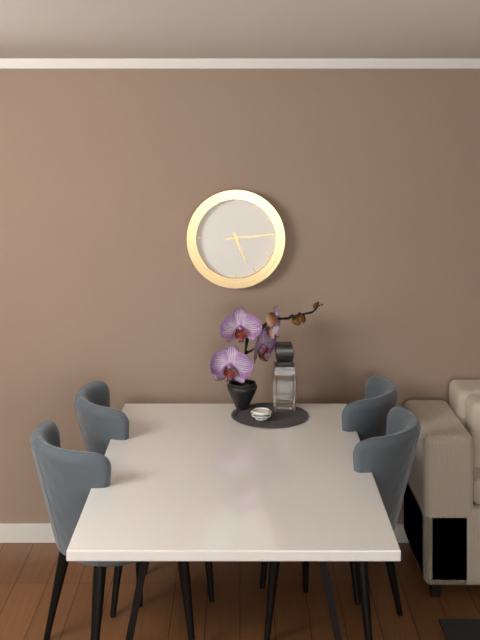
5:14
